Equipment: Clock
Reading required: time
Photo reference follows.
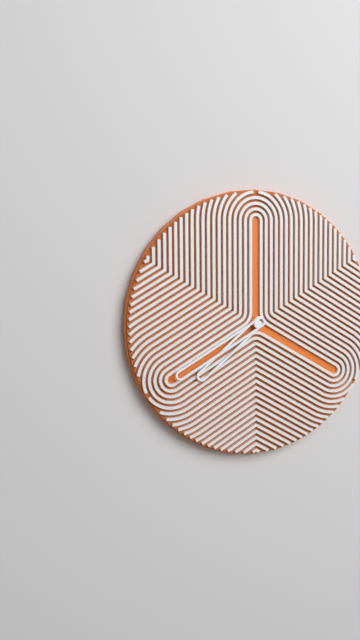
7:40
